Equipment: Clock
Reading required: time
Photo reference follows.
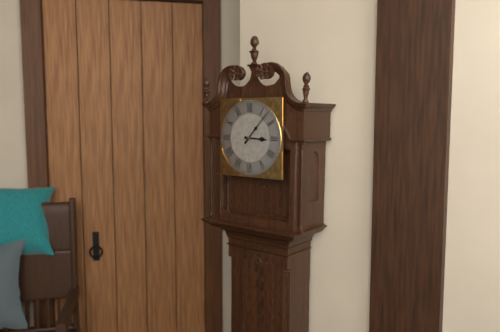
3:07
